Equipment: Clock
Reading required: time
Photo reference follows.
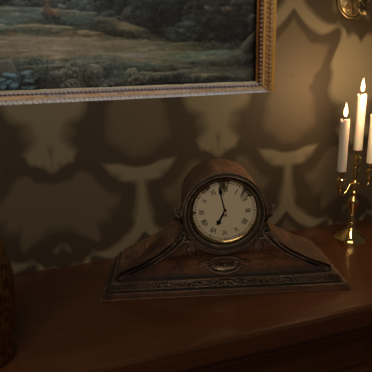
6:58
